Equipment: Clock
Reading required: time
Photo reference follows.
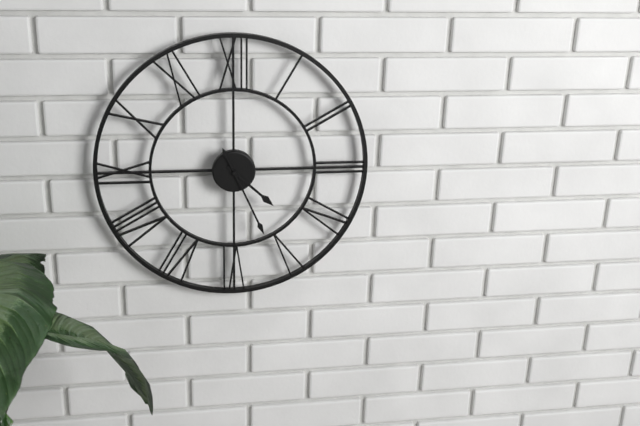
4:26
